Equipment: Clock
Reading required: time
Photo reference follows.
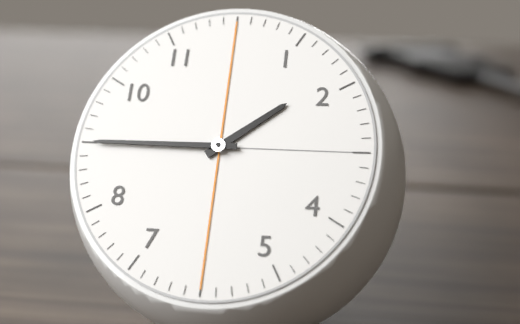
1:45
